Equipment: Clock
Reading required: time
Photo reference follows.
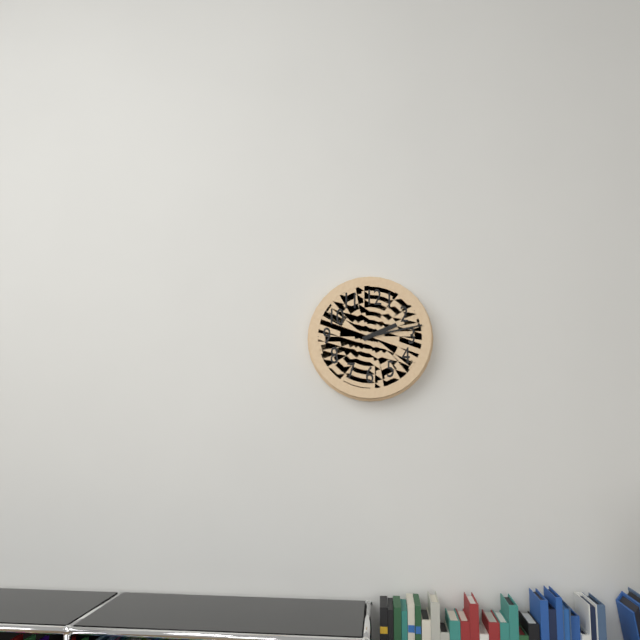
2:13
